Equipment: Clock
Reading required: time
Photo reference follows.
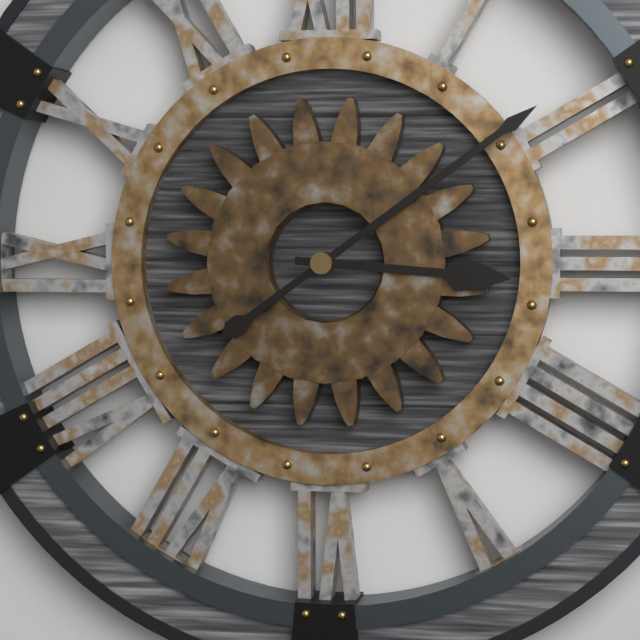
3:09
